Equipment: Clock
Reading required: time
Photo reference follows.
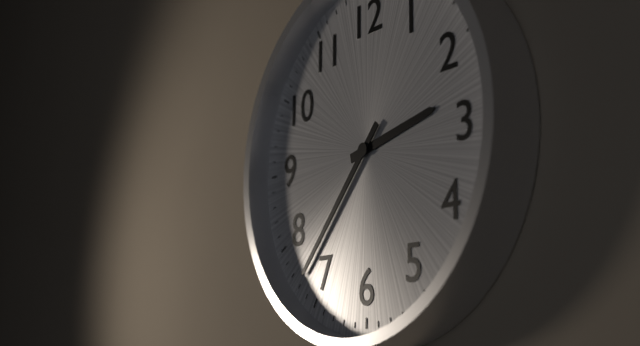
2:37
